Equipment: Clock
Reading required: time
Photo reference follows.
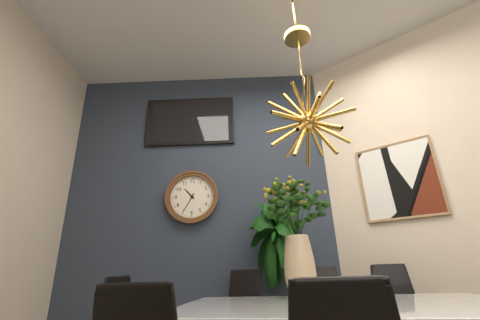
10:35
